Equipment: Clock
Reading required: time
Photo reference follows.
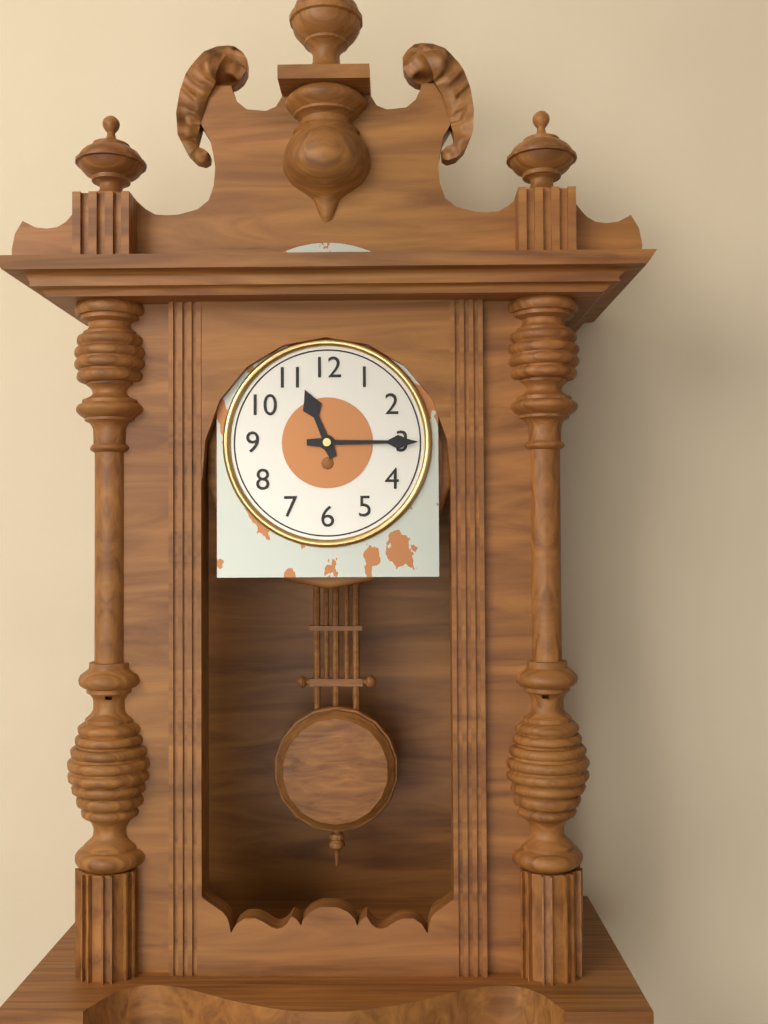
11:15
